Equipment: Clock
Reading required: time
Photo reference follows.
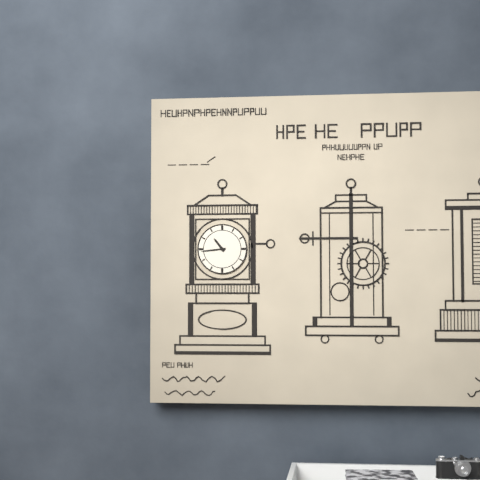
10:44
